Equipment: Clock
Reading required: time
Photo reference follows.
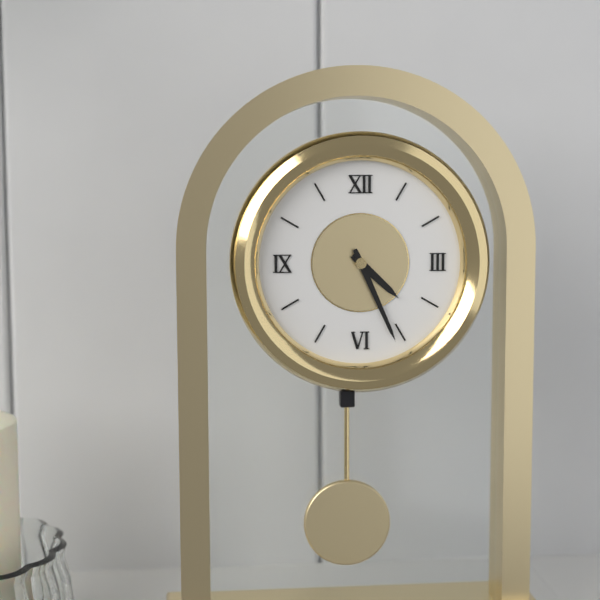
4:26
